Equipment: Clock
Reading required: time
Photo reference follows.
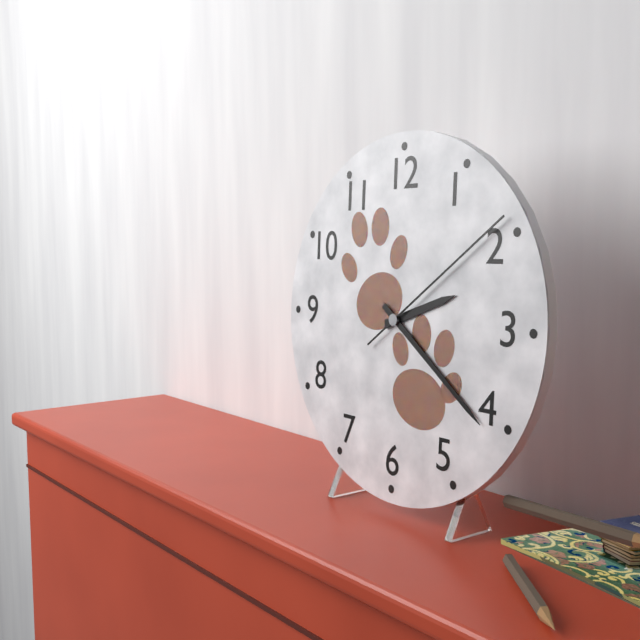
2:21:09
